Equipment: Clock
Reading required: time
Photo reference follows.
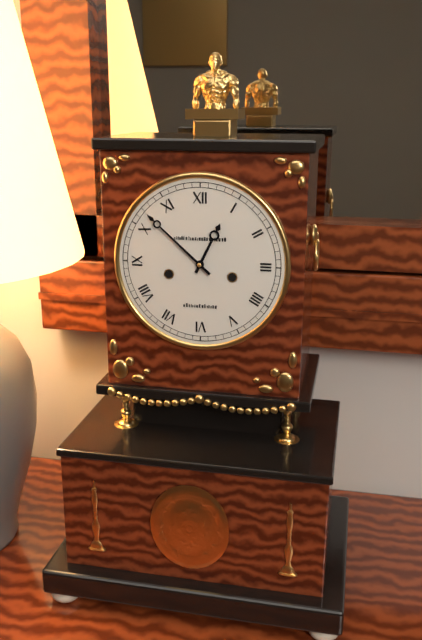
12:52
